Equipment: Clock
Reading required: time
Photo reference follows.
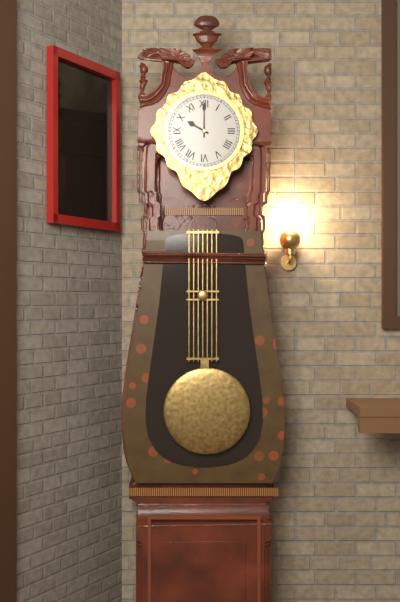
10:00
